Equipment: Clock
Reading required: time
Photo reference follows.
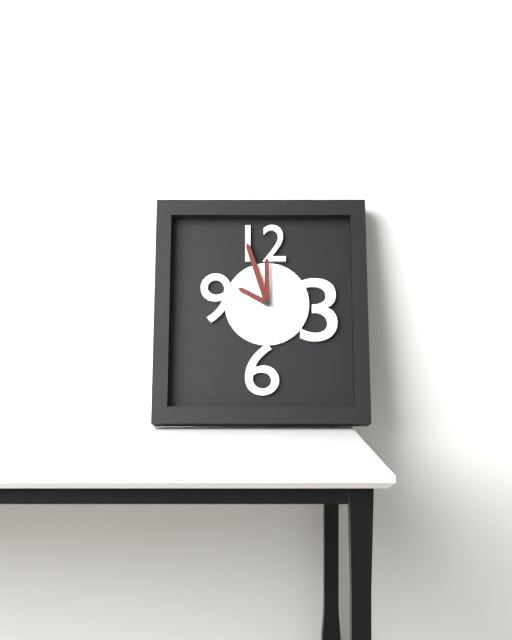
9:57:00
